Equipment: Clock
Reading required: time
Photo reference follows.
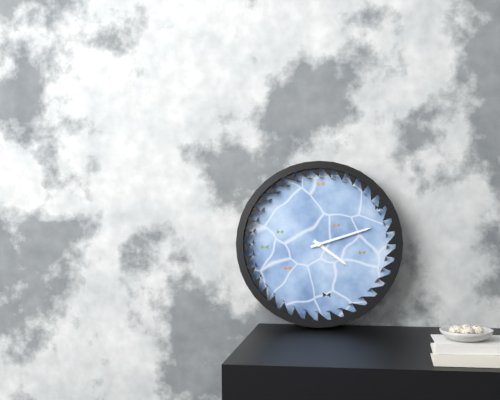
4:12
